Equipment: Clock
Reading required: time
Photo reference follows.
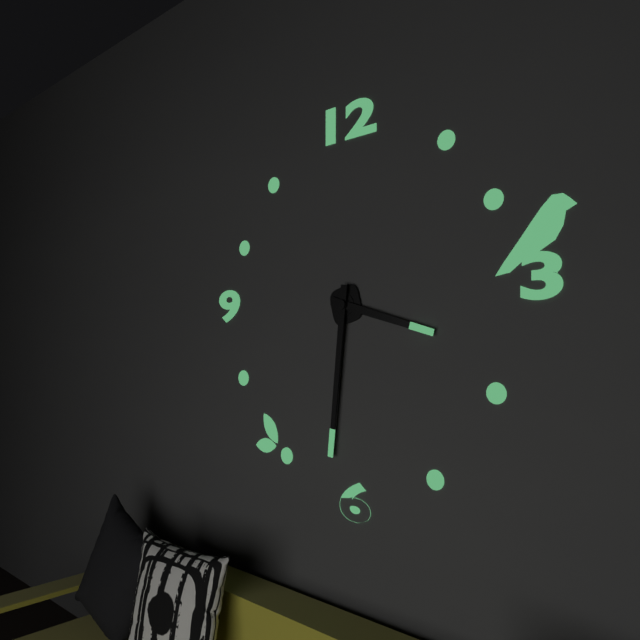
3:31
